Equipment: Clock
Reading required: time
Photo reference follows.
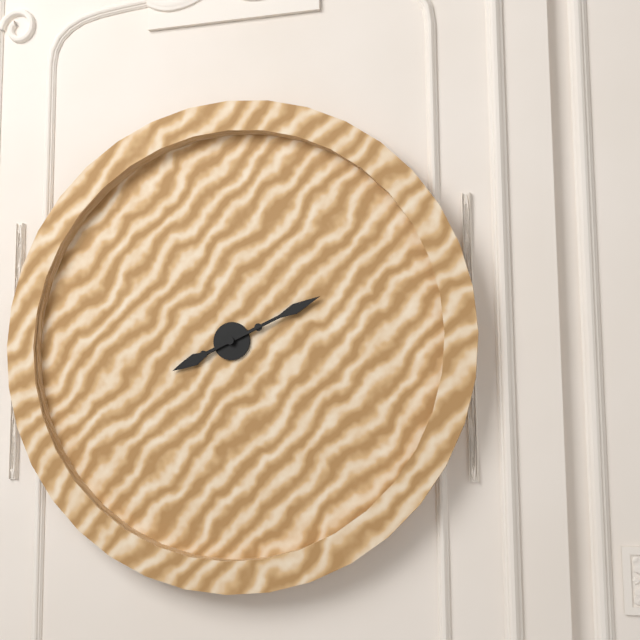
8:11
